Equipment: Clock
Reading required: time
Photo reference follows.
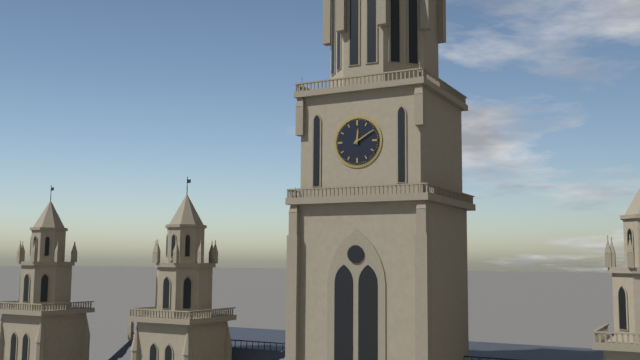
12:10
